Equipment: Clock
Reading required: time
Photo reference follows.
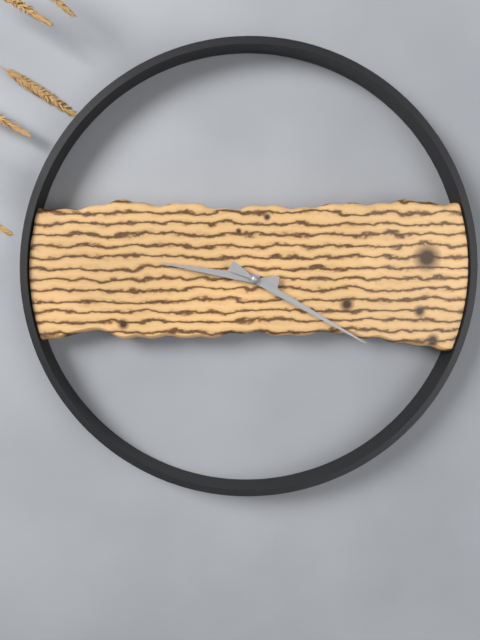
9:20
